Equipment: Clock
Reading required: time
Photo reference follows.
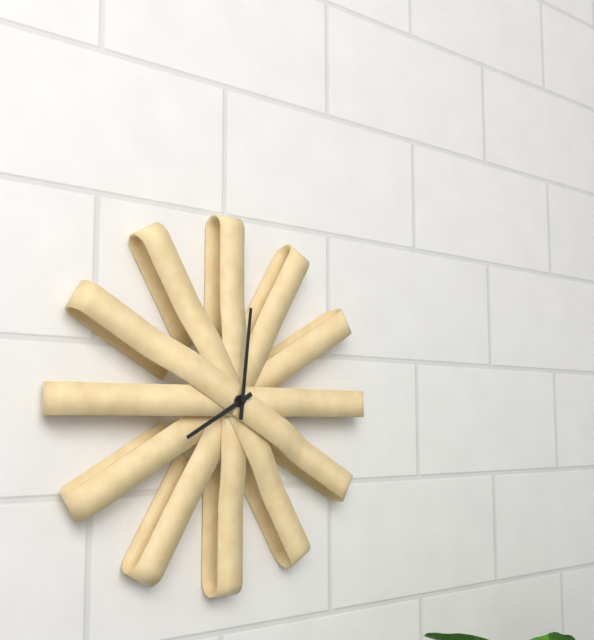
8:01
